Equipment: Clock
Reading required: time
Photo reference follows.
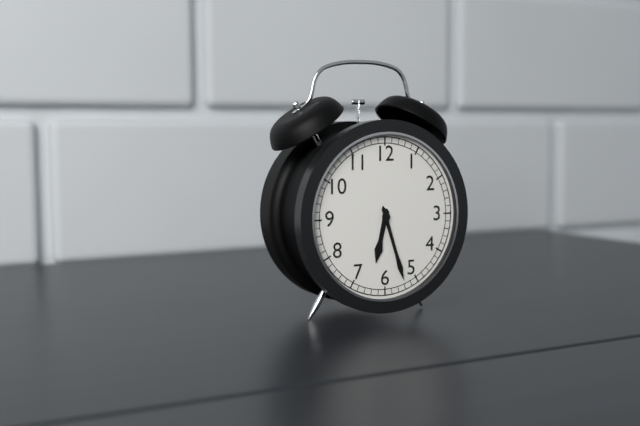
6:27
